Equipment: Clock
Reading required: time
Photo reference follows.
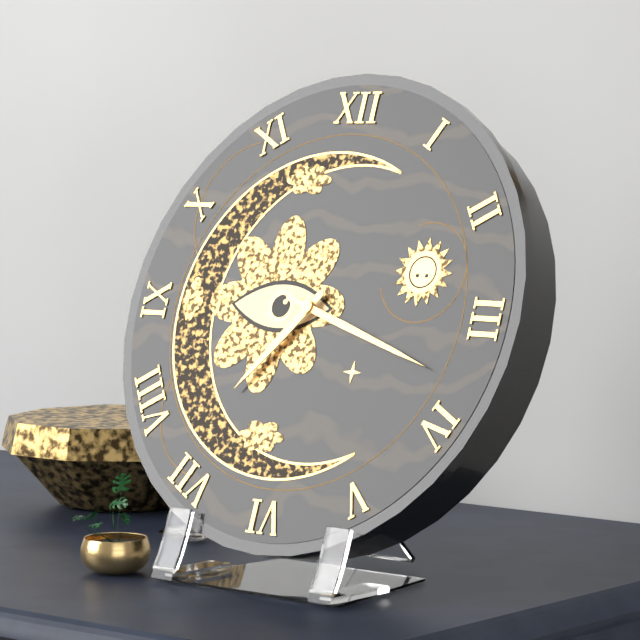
7:18
